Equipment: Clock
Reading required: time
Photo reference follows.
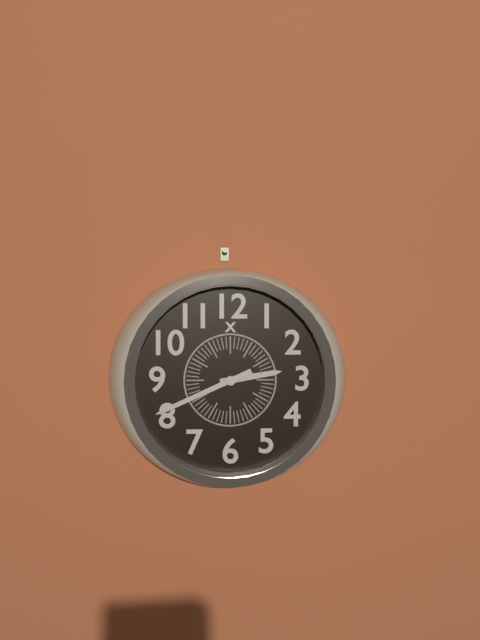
2:41
